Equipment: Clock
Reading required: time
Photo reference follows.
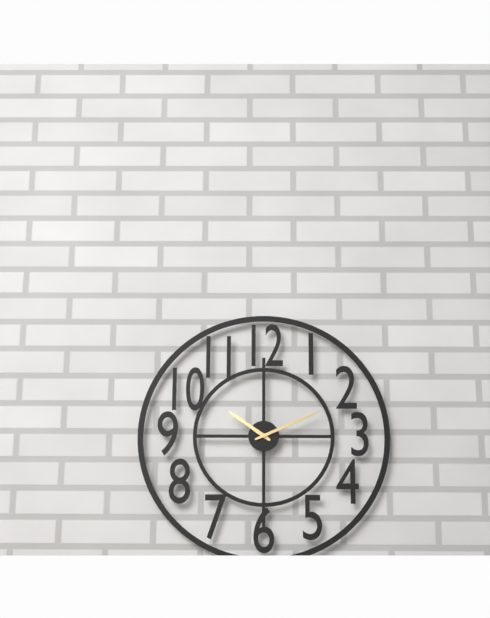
10:11
